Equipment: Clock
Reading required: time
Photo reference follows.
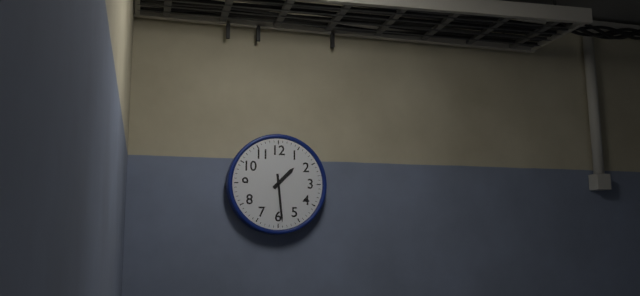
1:29
